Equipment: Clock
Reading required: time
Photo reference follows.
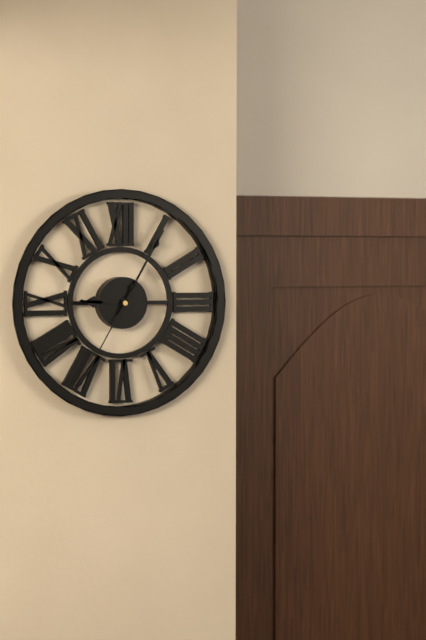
9:05:35
